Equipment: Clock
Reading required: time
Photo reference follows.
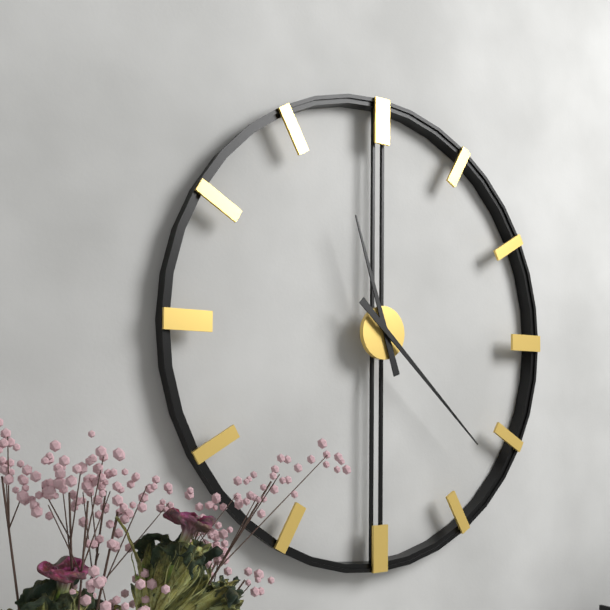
11:22
